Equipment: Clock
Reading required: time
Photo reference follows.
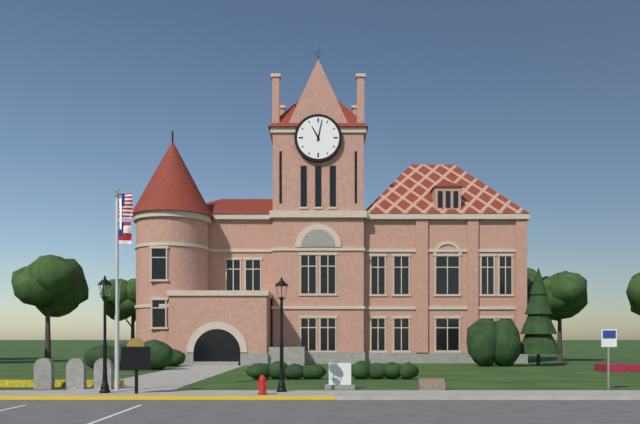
11:02
